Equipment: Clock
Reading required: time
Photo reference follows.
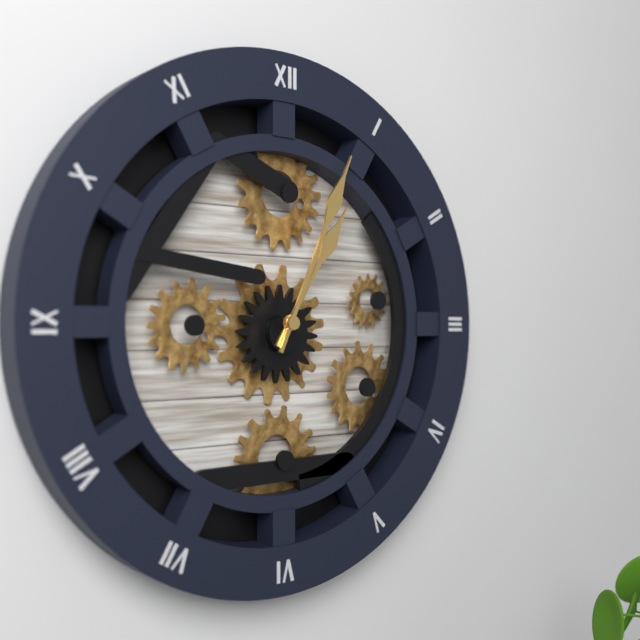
1:04
